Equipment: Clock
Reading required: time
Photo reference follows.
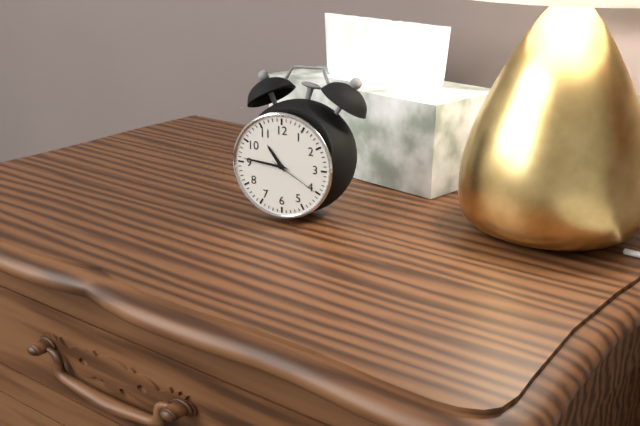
10:46:20
